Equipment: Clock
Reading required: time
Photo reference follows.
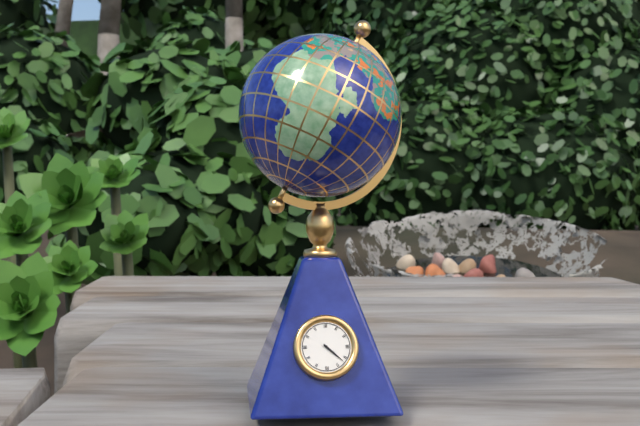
4:22
